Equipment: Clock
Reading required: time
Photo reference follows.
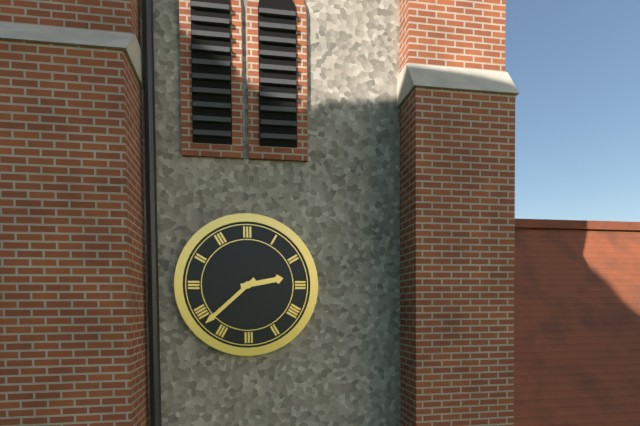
2:38
